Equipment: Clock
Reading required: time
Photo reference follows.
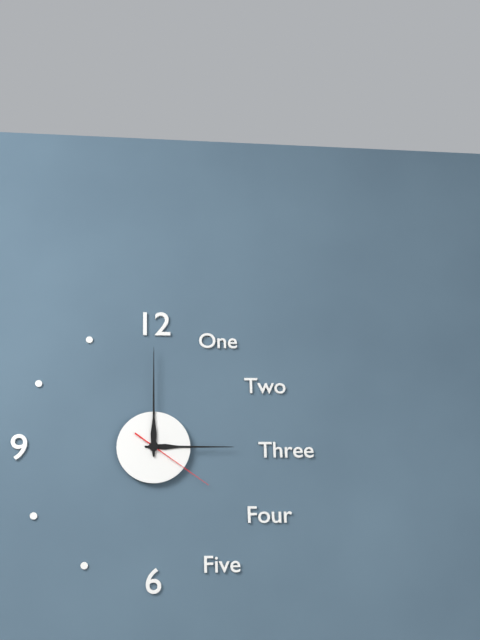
3:00:21
